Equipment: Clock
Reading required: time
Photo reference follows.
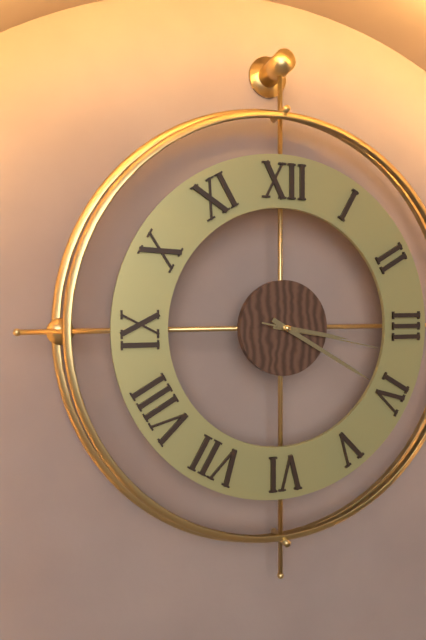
3:20:17
